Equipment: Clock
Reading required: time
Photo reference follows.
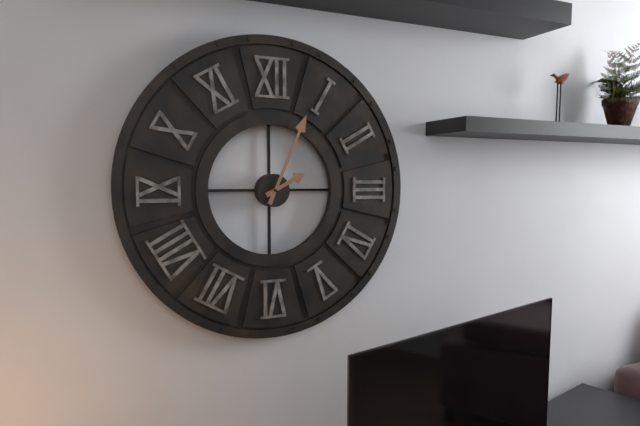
2:04
